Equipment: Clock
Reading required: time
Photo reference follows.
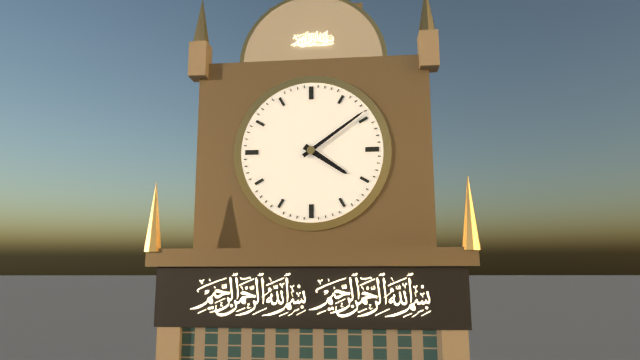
4:09
